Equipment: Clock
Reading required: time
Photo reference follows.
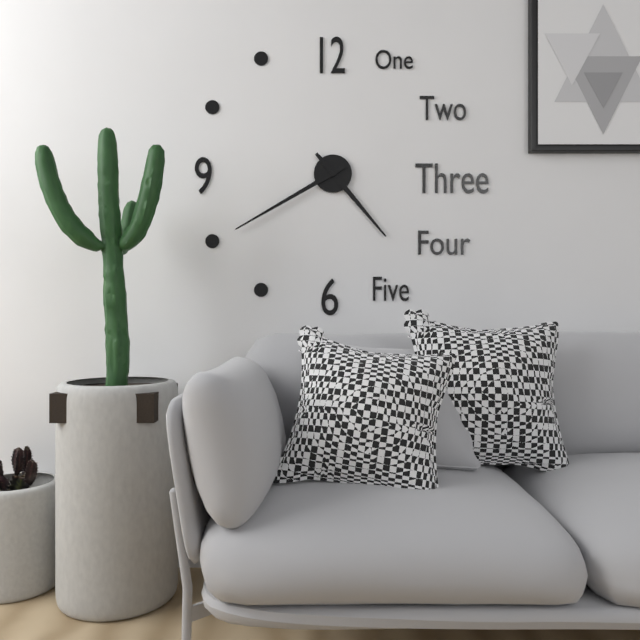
4:40
